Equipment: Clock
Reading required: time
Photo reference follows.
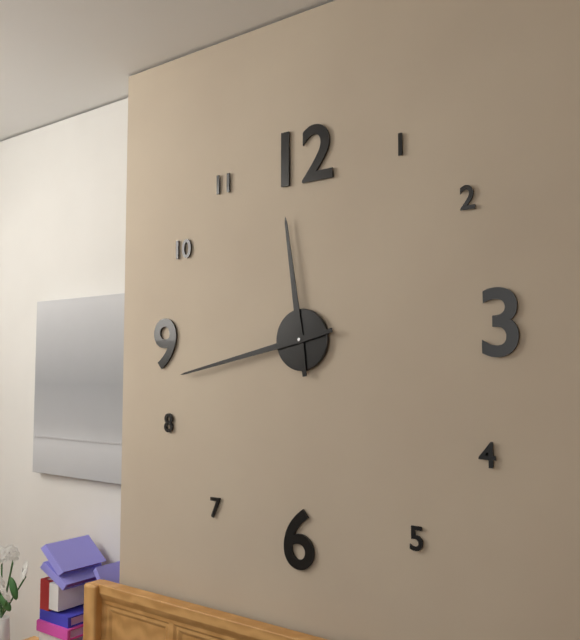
11:43
